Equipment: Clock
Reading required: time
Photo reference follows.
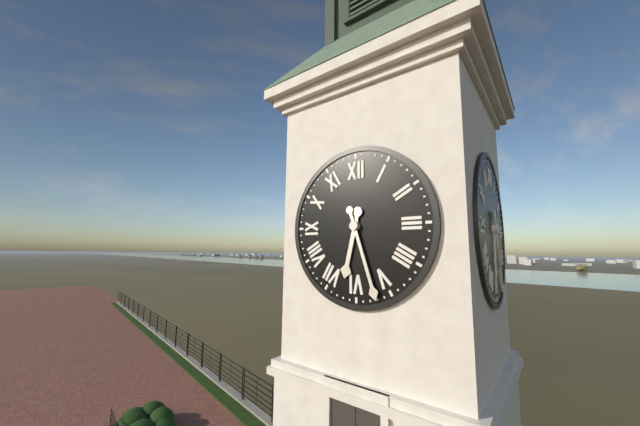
6:27
